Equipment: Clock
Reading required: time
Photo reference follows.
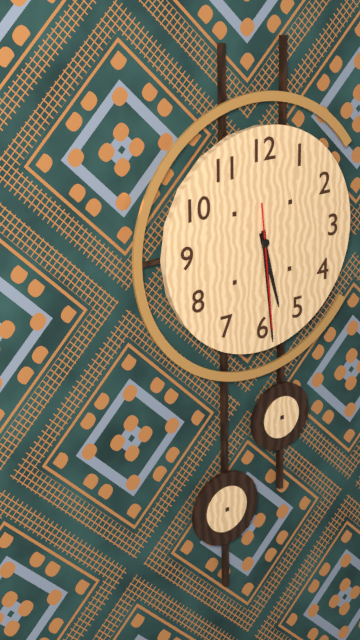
5:29:29
